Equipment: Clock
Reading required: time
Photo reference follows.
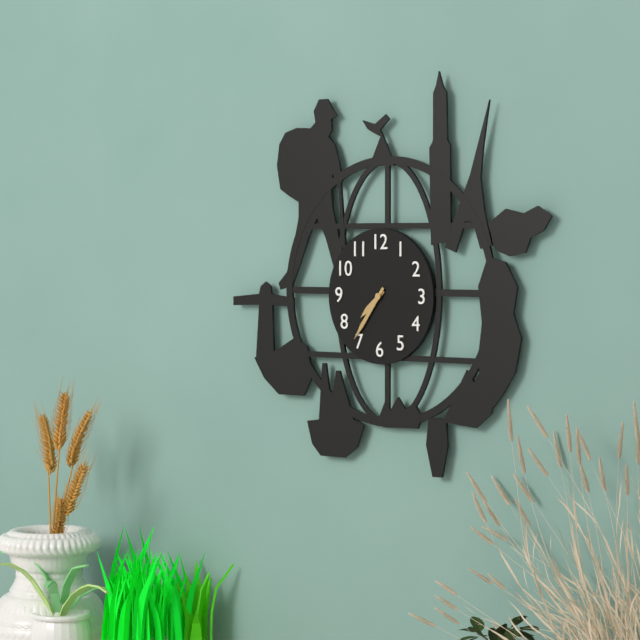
7:36
